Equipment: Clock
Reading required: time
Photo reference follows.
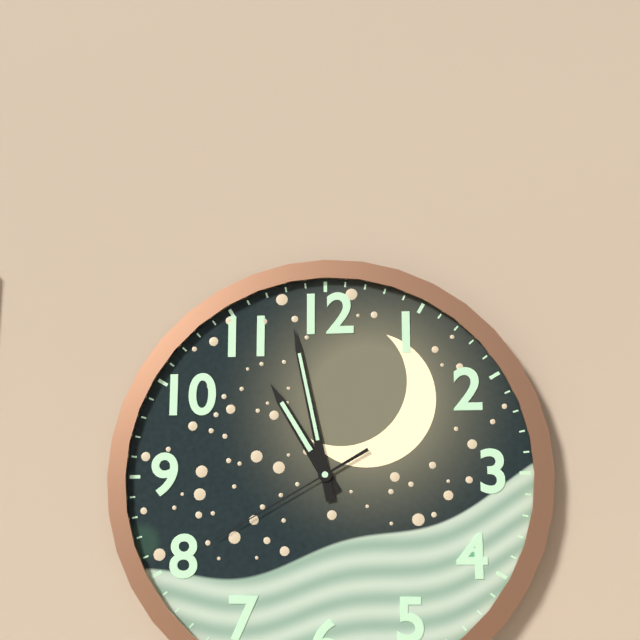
10:58:40
